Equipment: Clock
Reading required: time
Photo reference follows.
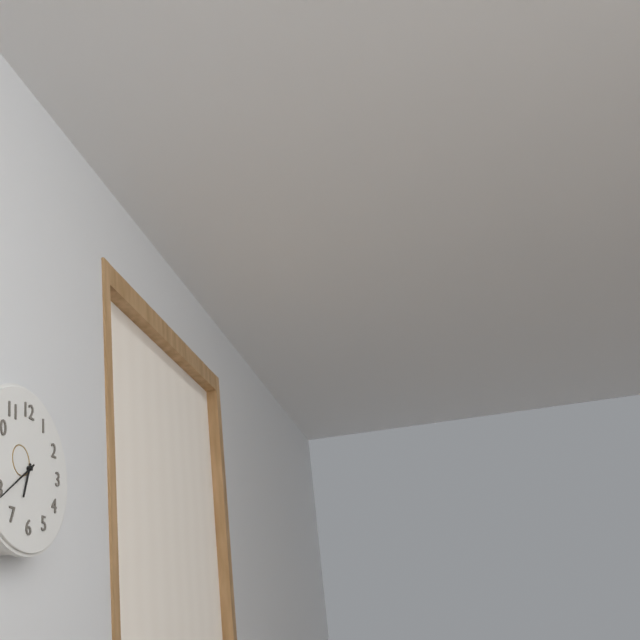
6:39
